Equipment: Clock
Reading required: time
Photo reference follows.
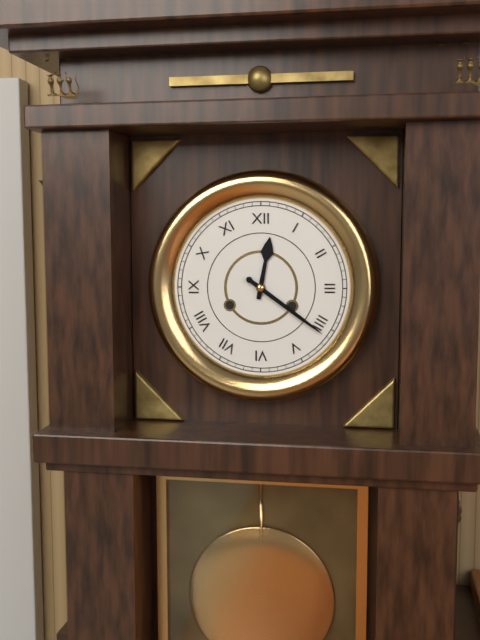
12:21
